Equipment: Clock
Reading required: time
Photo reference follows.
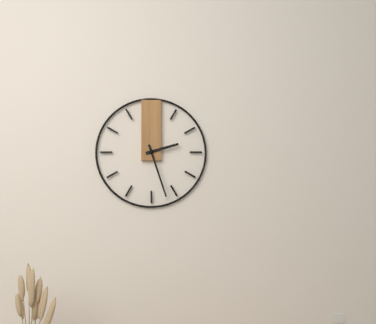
2:27
